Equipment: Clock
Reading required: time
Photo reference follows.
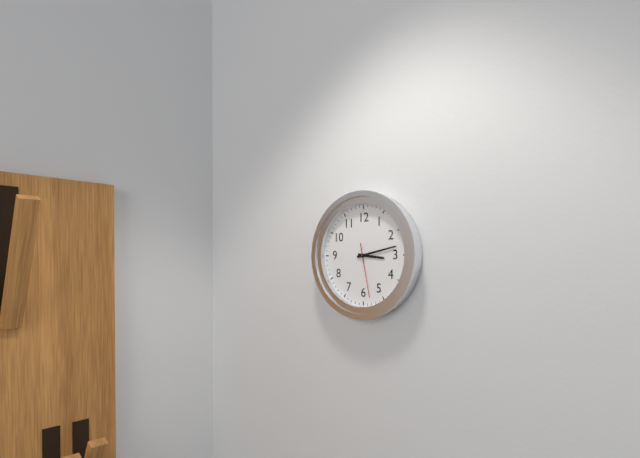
3:13:28
